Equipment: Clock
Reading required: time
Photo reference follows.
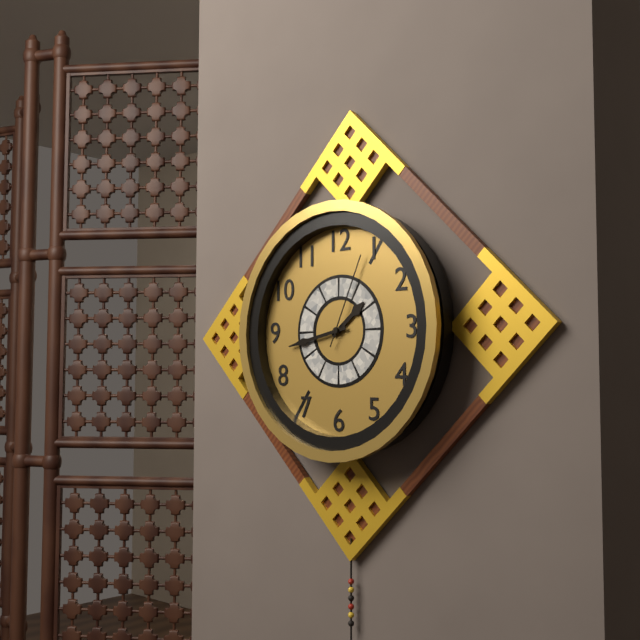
1:43:04
